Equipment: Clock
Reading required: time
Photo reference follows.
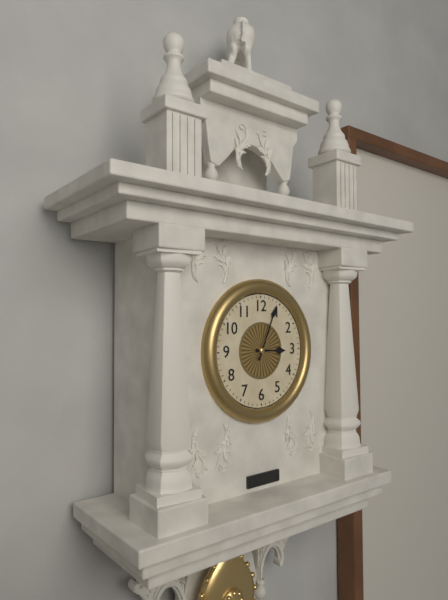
3:04
